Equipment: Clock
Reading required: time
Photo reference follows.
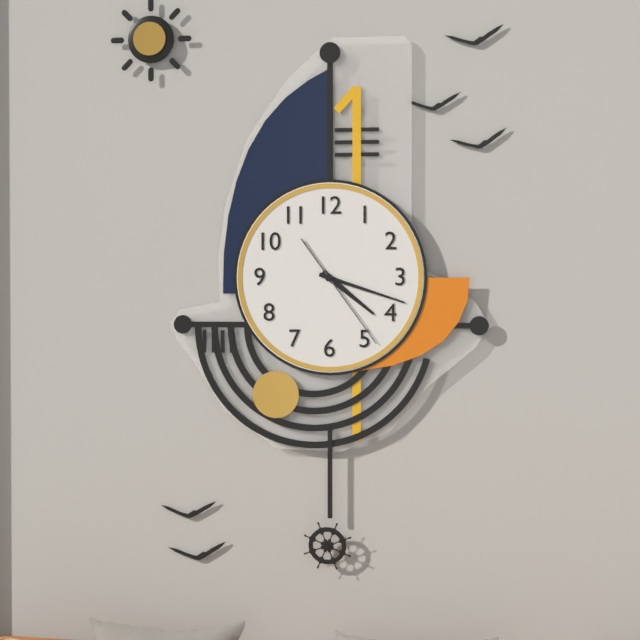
4:18:24
